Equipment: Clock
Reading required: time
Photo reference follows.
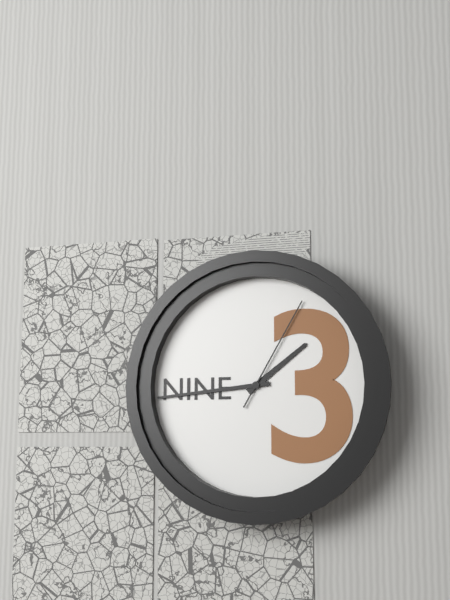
1:44:05
